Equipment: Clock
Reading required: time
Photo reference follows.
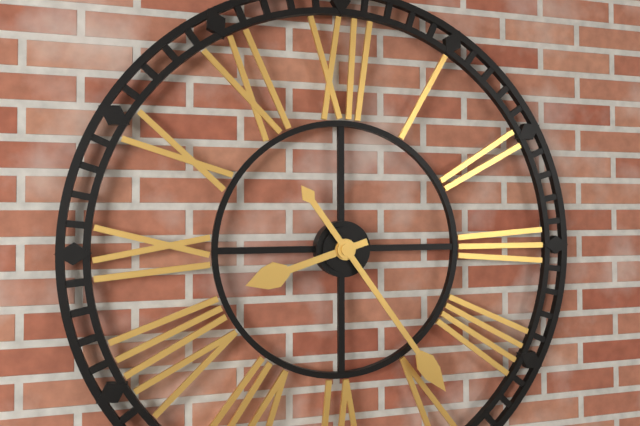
8:24
